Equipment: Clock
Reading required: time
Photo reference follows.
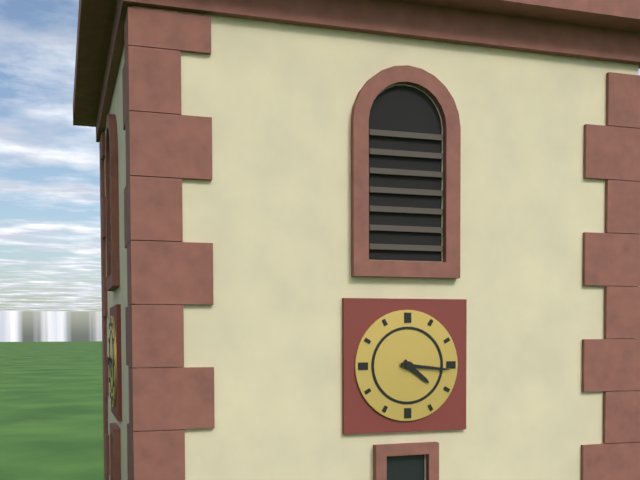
4:16
